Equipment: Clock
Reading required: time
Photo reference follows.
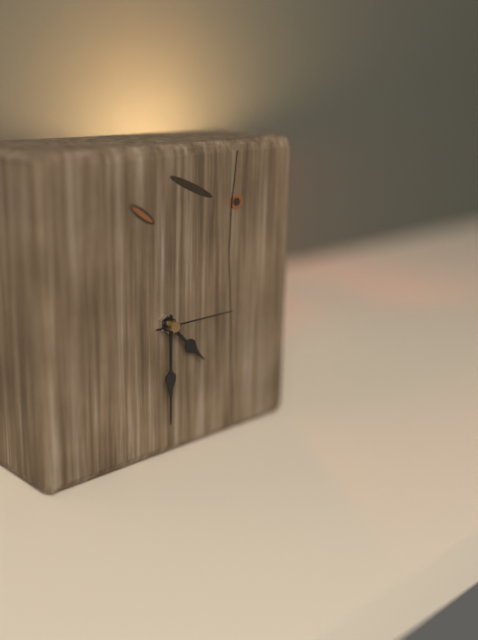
4:30:15
